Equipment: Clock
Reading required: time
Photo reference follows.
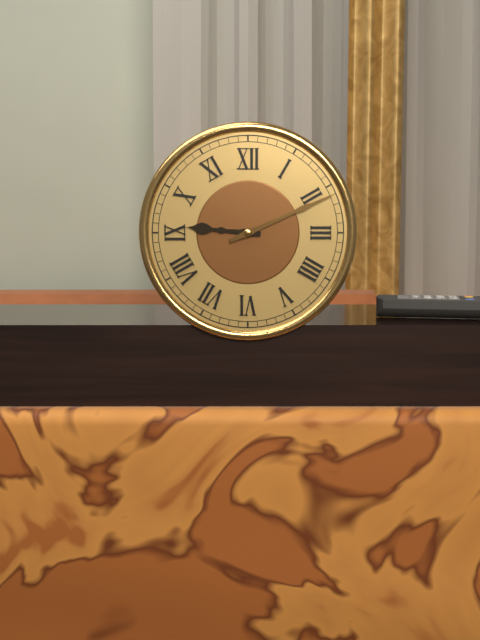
9:11
